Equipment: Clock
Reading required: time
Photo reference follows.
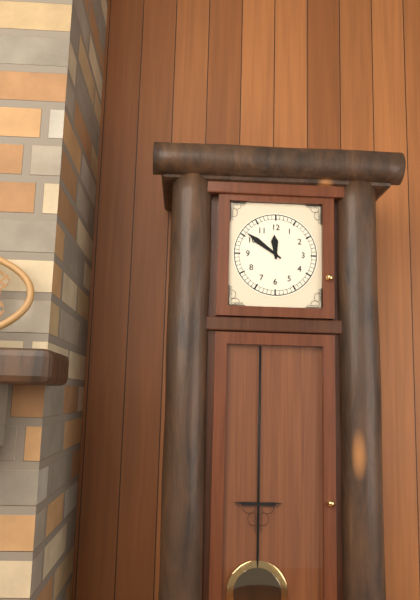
11:51
